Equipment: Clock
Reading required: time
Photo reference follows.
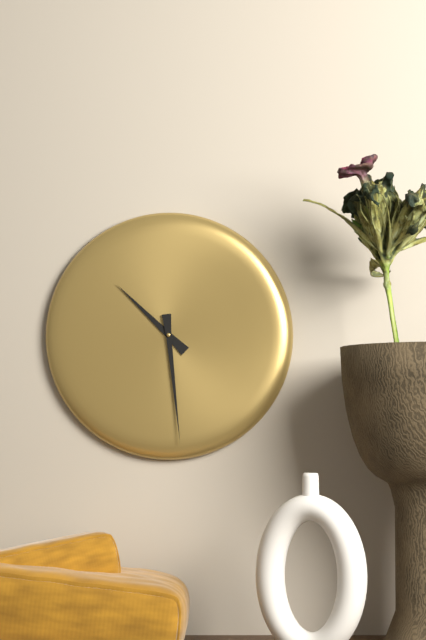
10:29
